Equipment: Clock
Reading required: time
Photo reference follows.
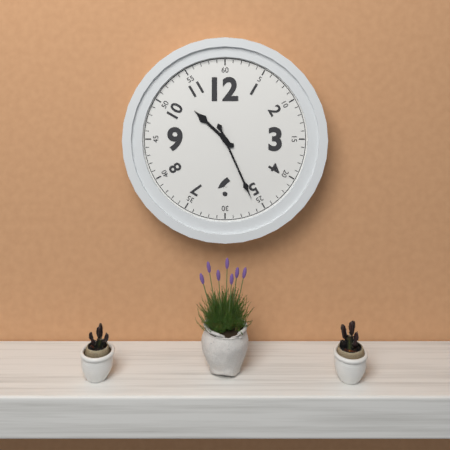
10:26
